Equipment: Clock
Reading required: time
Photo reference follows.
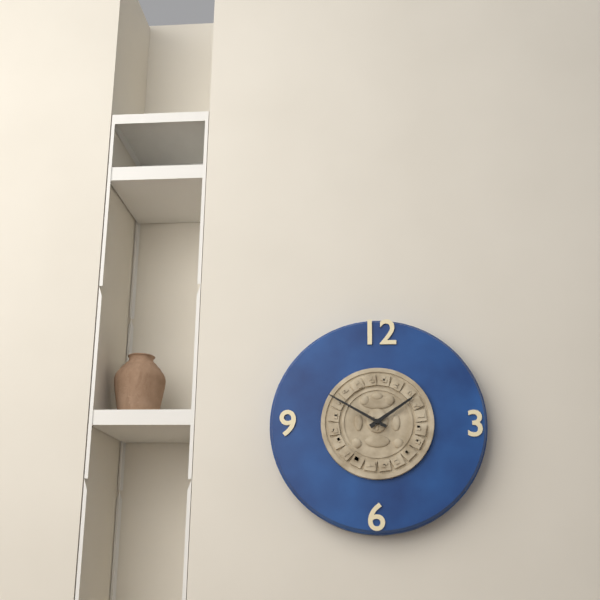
1:50
